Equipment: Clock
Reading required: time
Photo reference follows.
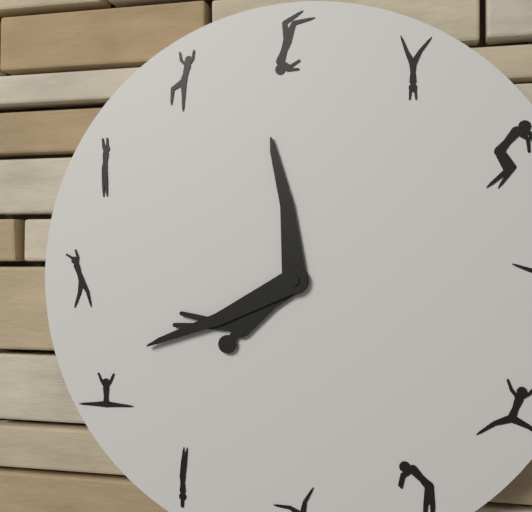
11:41
